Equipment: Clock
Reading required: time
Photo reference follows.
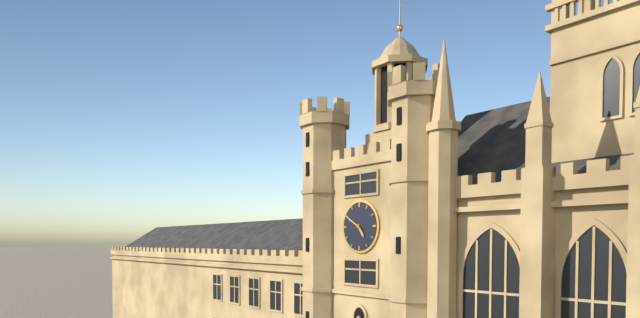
4:50
